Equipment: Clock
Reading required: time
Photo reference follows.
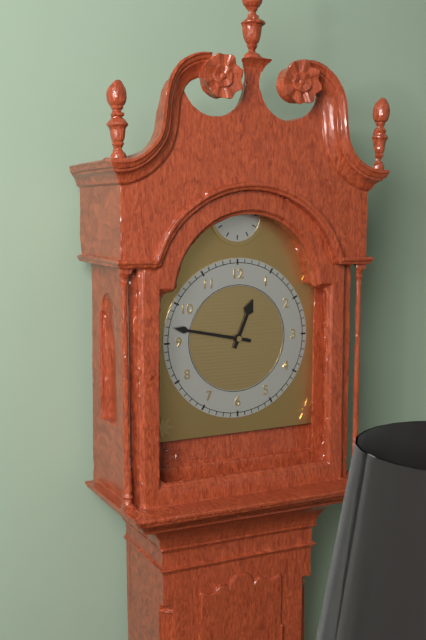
12:47
